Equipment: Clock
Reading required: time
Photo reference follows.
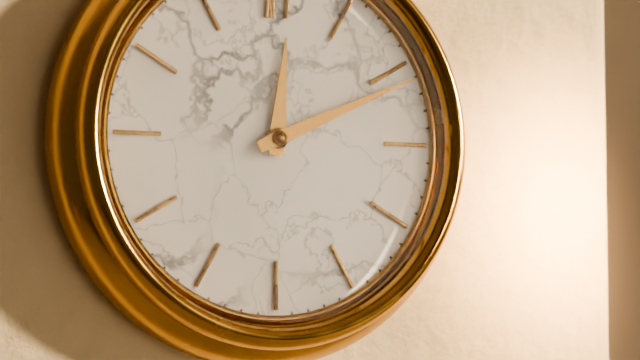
12:11
